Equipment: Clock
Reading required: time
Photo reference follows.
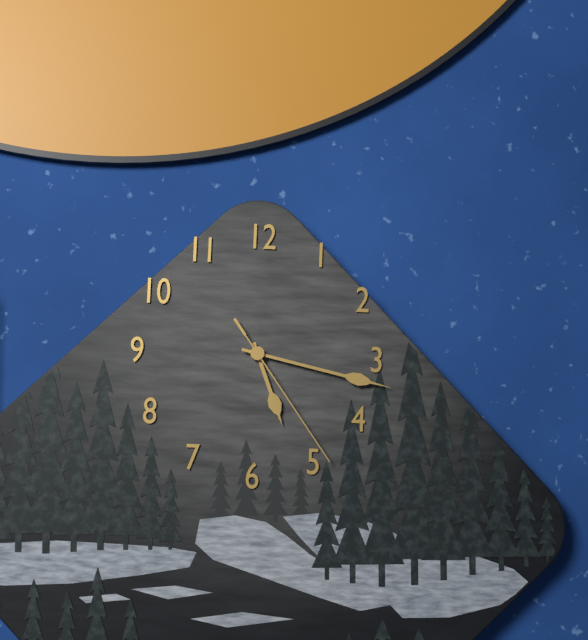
5:17:24
